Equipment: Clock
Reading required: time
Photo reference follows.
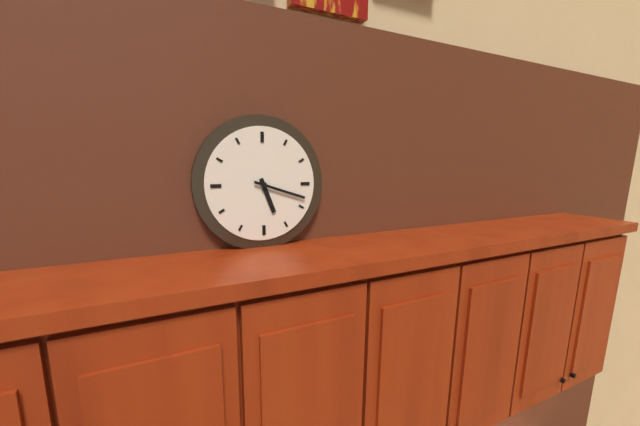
5:18
